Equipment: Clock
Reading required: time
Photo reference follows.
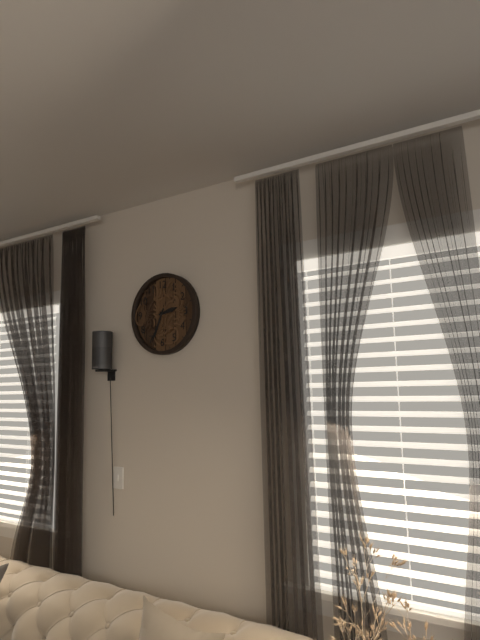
2:34
